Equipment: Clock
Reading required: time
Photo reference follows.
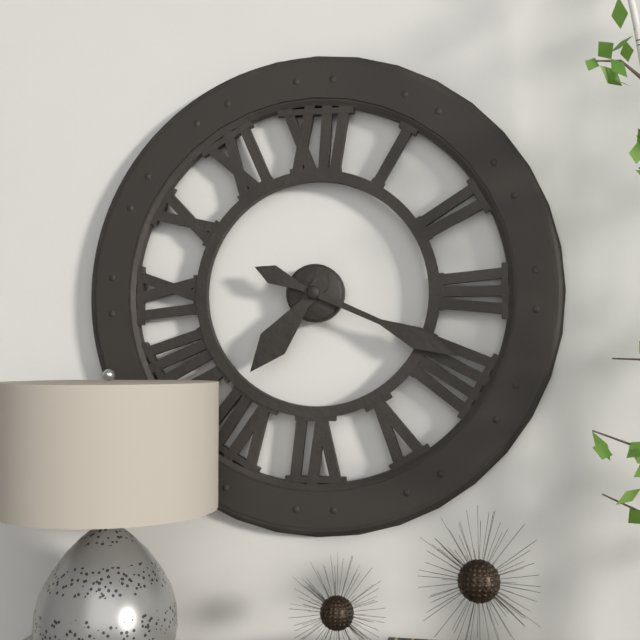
7:19
